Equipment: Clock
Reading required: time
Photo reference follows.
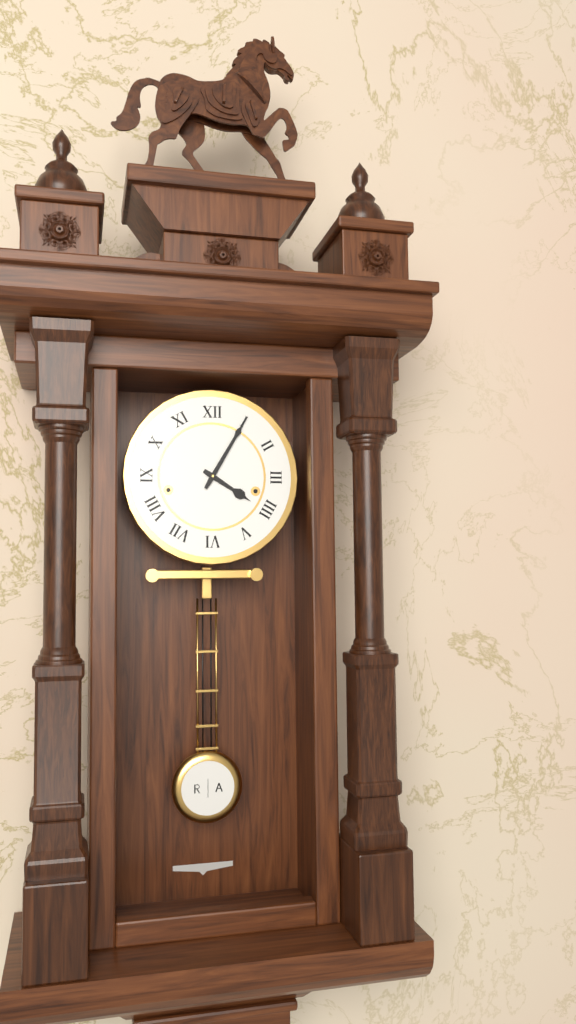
4:05
